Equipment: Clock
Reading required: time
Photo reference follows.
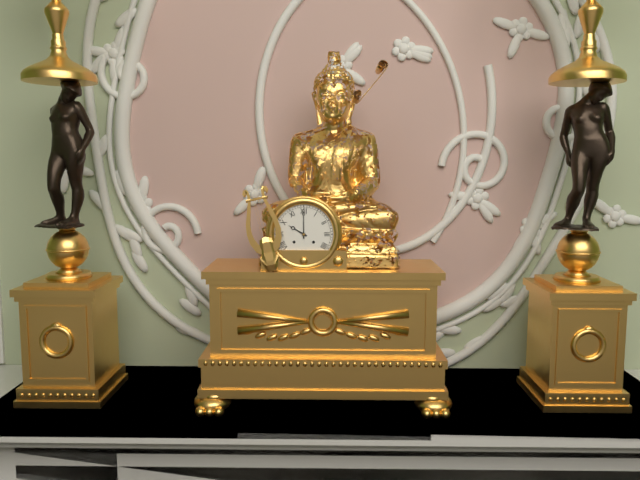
10:00
